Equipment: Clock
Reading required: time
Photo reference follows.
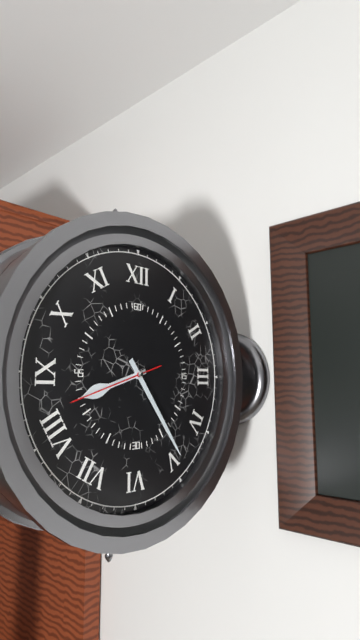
8:24:42
